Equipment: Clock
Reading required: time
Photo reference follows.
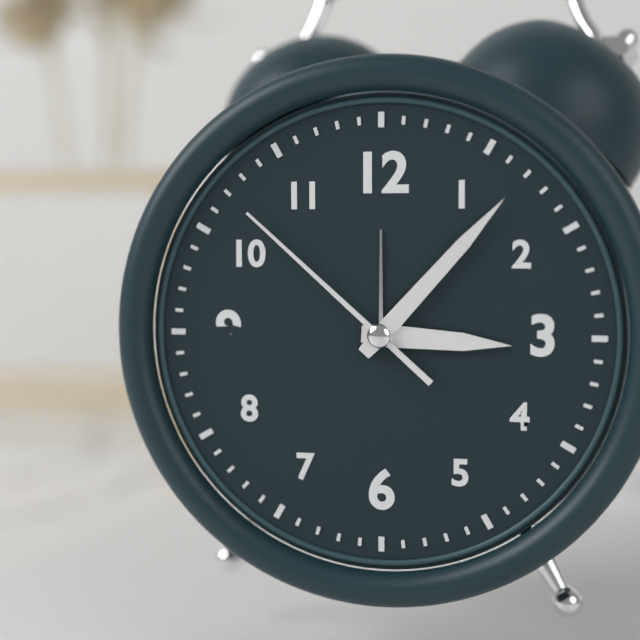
3:07:52
